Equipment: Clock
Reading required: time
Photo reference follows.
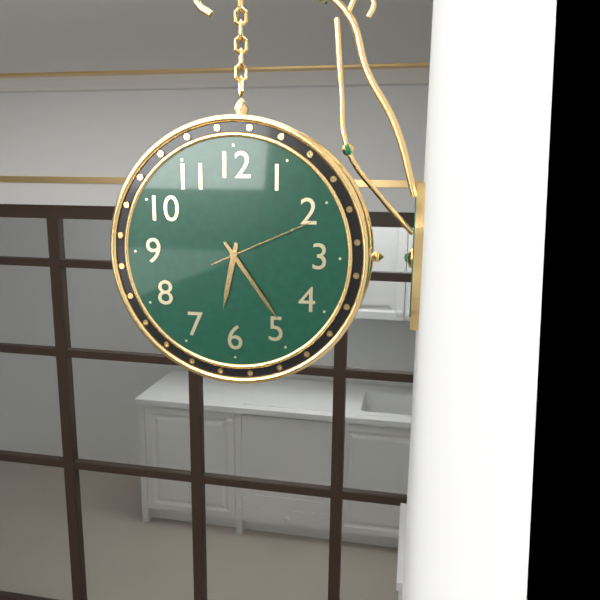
6:24:11
